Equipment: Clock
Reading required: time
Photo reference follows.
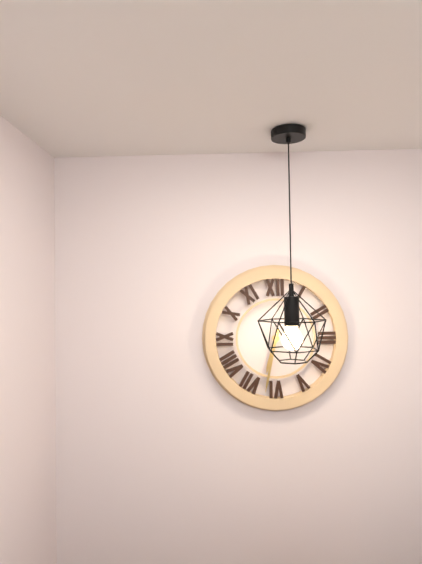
6:32
